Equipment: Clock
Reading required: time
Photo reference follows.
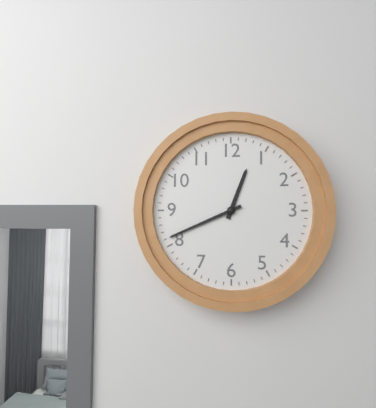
12:41
